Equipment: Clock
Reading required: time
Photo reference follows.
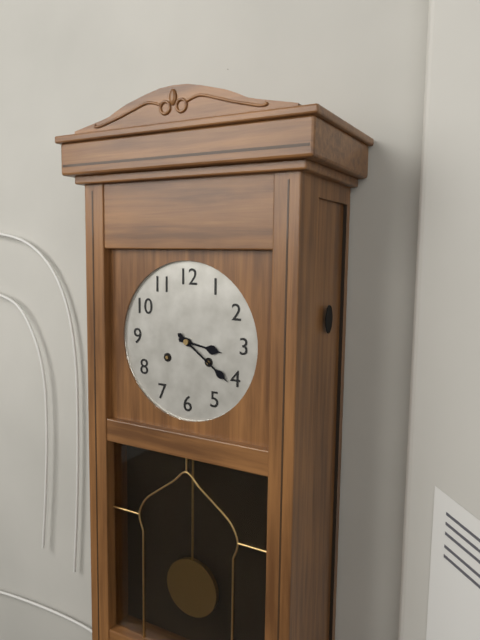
3:21
